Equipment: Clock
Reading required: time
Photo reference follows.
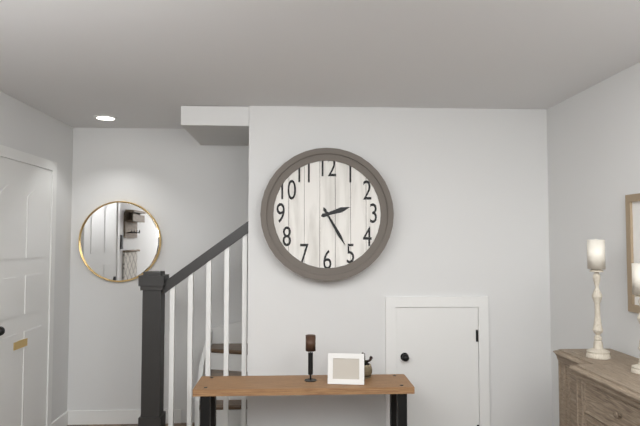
2:25
